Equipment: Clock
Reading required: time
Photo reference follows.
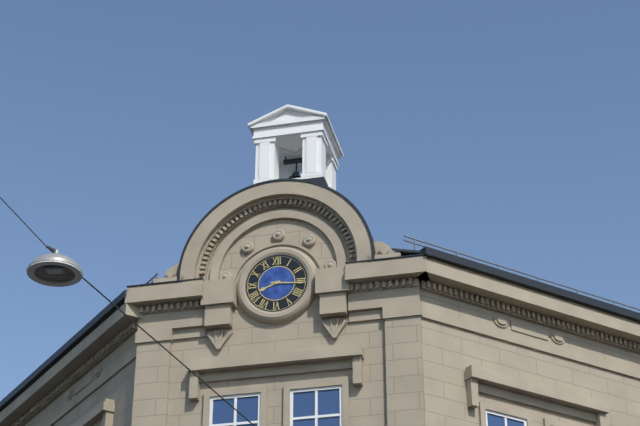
8:16
